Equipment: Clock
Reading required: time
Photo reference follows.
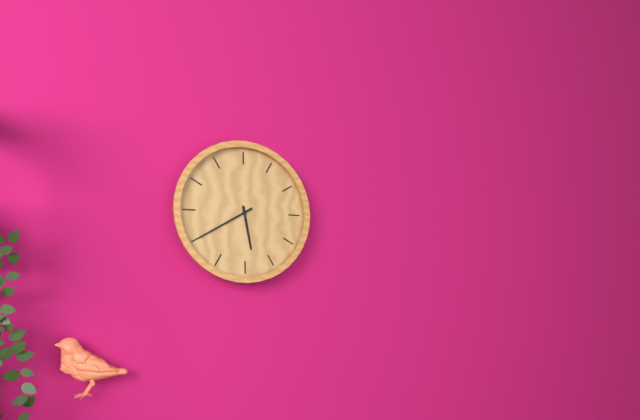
5:40
